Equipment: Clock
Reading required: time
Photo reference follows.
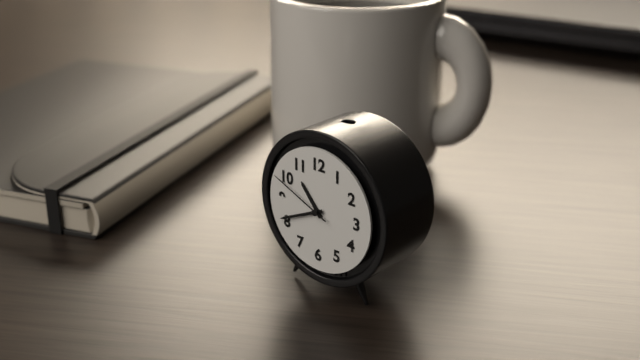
10:41:49
